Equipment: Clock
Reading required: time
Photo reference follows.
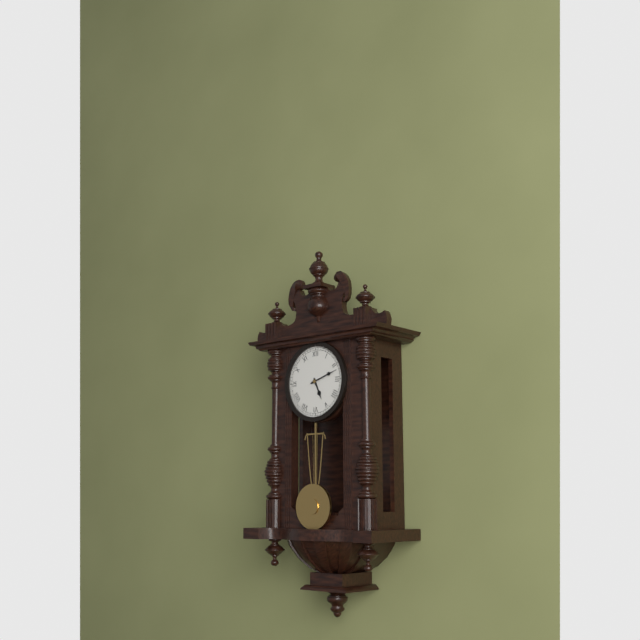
5:12
